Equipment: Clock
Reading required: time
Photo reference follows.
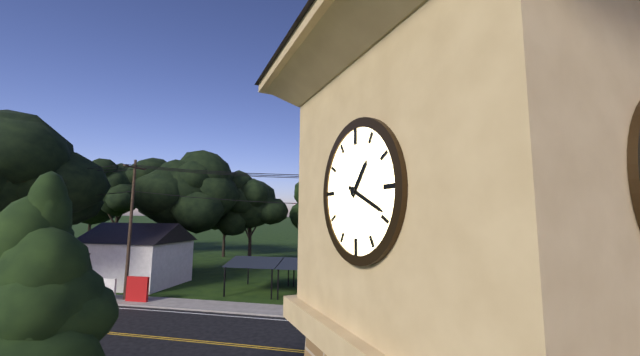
1:19
